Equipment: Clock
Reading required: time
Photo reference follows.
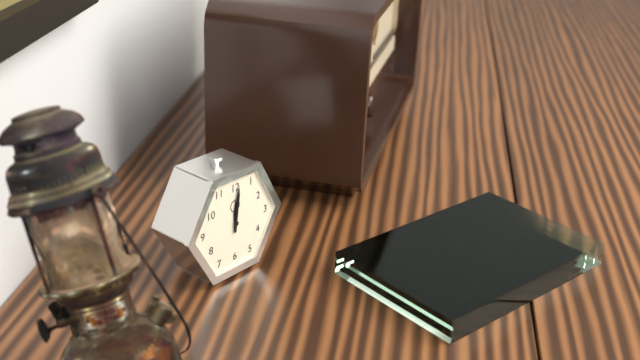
12:01
